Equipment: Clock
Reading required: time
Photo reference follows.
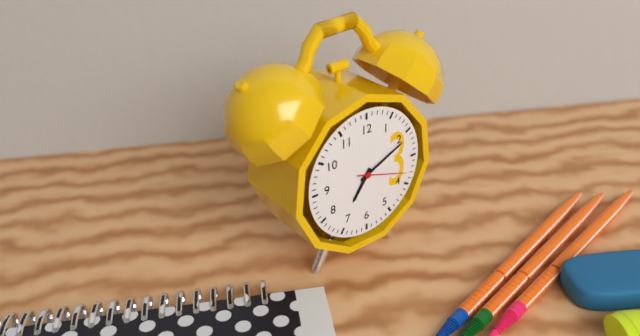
7:11:18
